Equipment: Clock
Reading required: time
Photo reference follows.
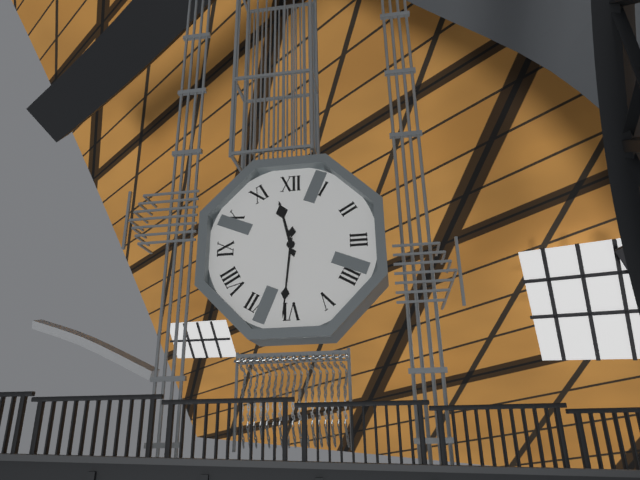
11:31
